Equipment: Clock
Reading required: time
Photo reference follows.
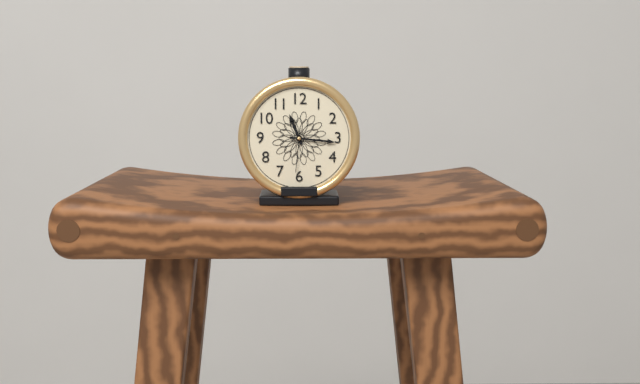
11:16
